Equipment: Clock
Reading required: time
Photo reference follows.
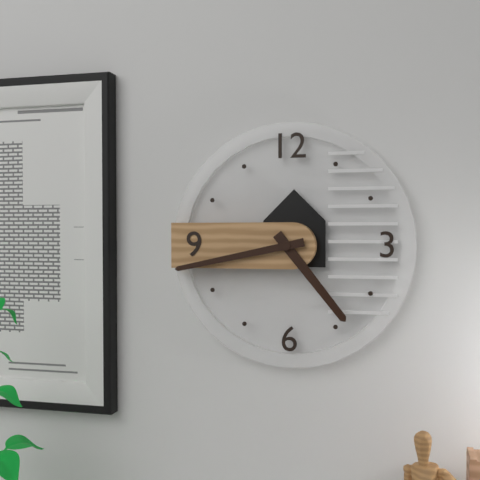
4:43
